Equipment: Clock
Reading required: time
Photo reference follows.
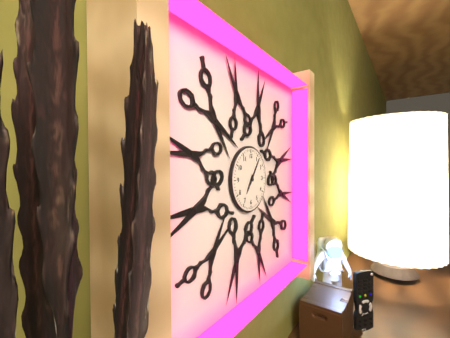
7:06
